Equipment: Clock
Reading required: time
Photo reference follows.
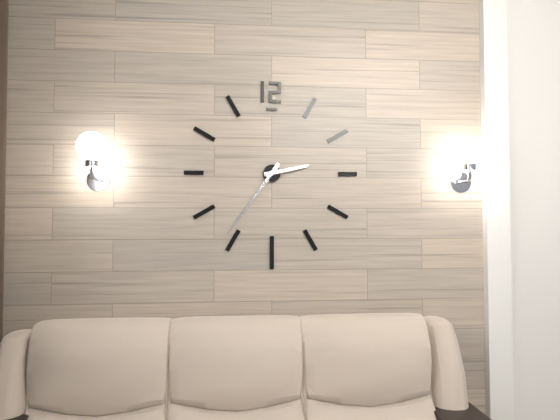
2:36
